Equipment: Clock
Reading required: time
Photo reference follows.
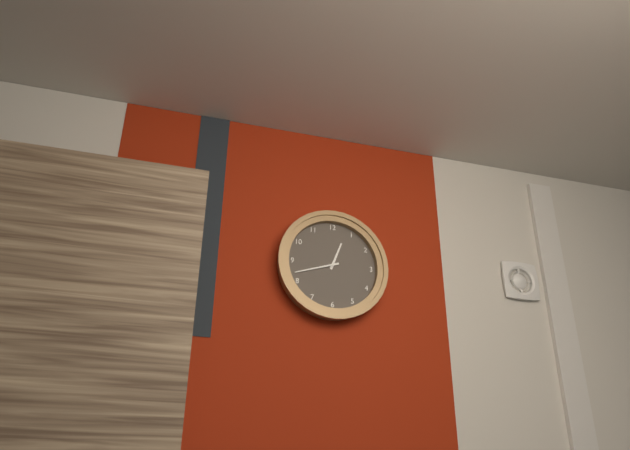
12:42
